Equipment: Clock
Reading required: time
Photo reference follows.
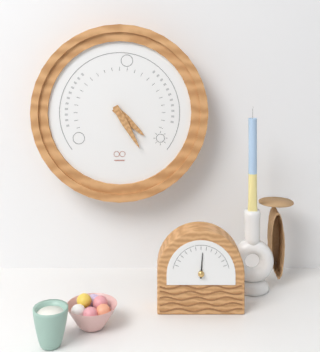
4:25
